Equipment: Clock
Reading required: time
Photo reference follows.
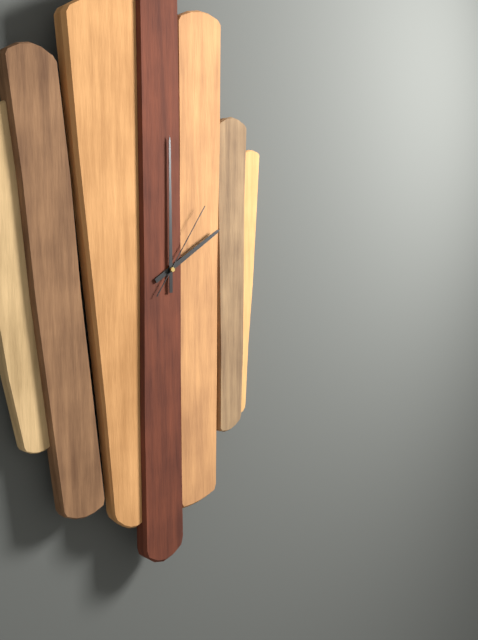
2:00:06
